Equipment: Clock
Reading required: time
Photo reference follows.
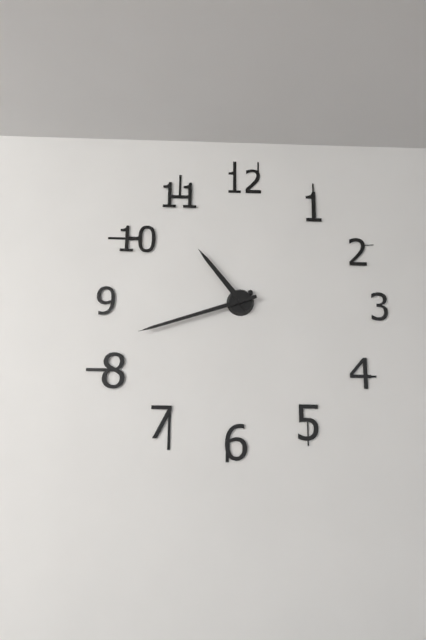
10:42
